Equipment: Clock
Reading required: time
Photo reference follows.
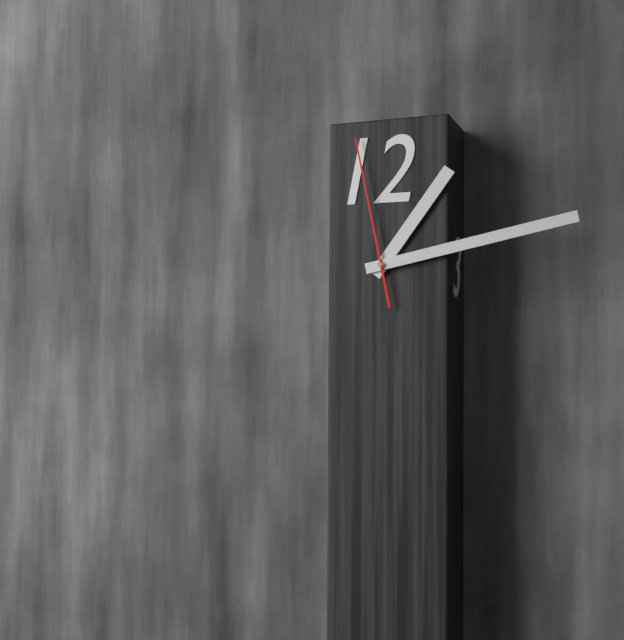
1:13:58
